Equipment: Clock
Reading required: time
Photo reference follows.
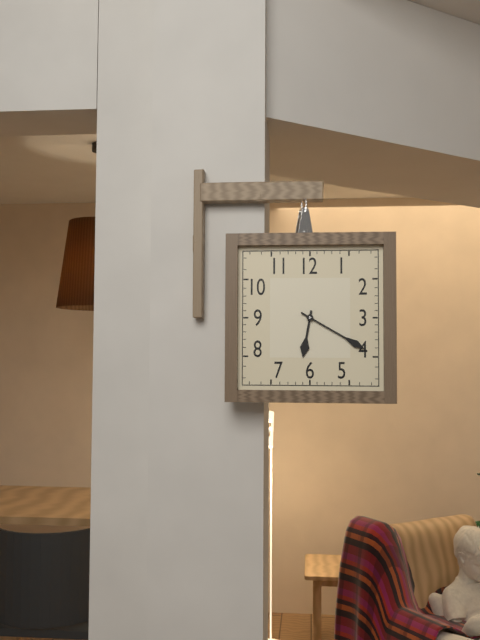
6:20
